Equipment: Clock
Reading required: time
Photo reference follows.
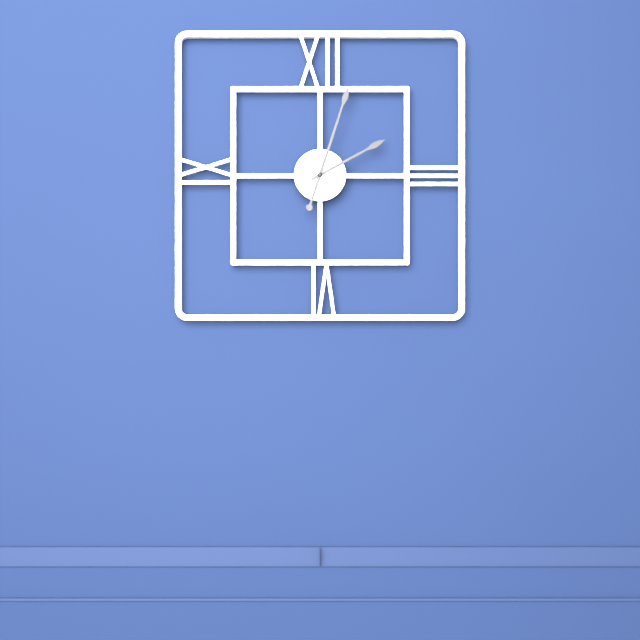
2:03
